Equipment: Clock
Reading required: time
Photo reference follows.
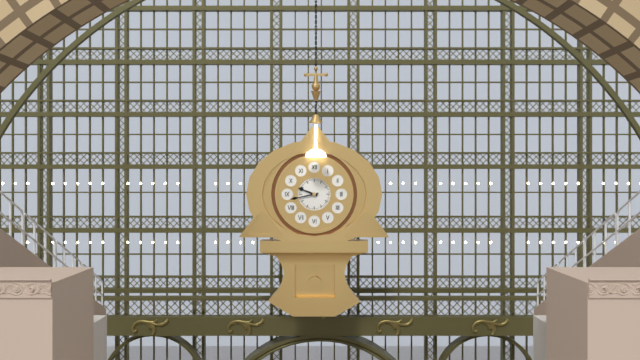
9:43
